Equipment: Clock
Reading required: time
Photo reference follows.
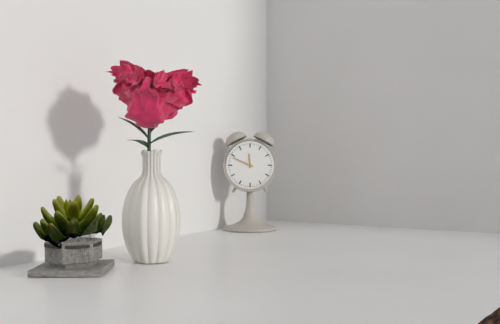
11:49
